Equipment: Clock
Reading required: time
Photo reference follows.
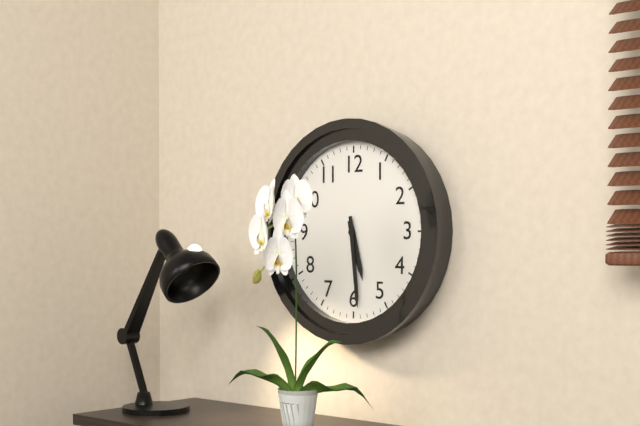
5:29
